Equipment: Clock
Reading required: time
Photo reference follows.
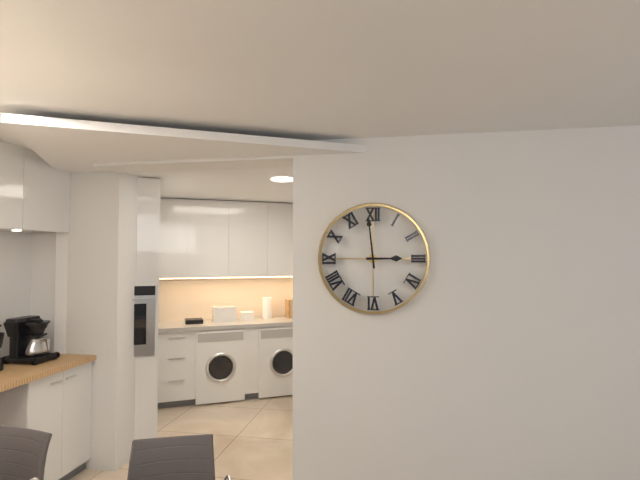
2:59
